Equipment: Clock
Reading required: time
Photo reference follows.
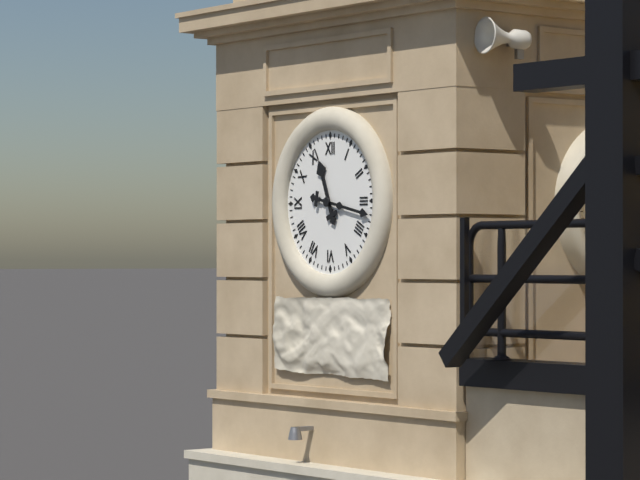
11:17
